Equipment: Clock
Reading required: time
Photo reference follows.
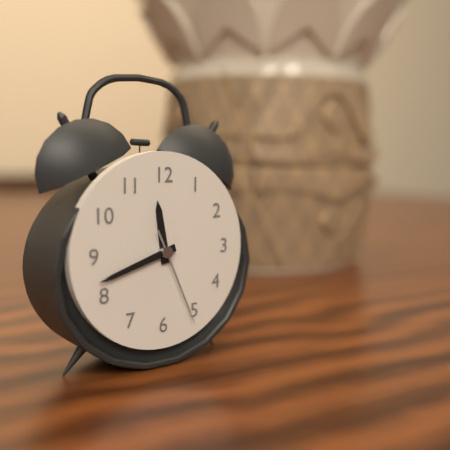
11:42:26
